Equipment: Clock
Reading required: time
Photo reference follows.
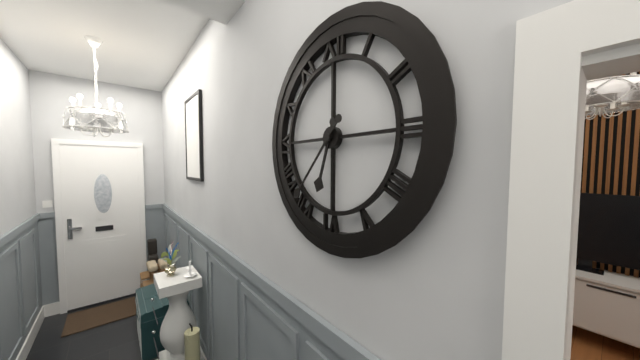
6:37
